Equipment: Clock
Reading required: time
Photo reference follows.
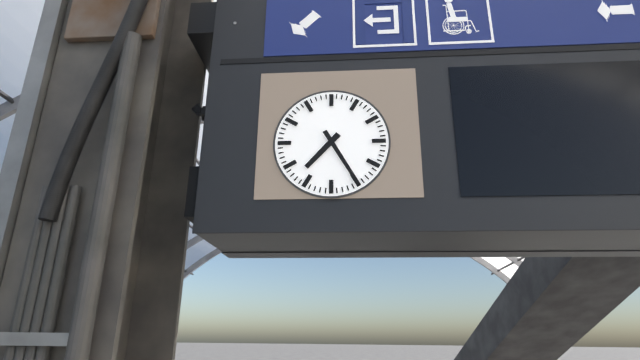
7:25
